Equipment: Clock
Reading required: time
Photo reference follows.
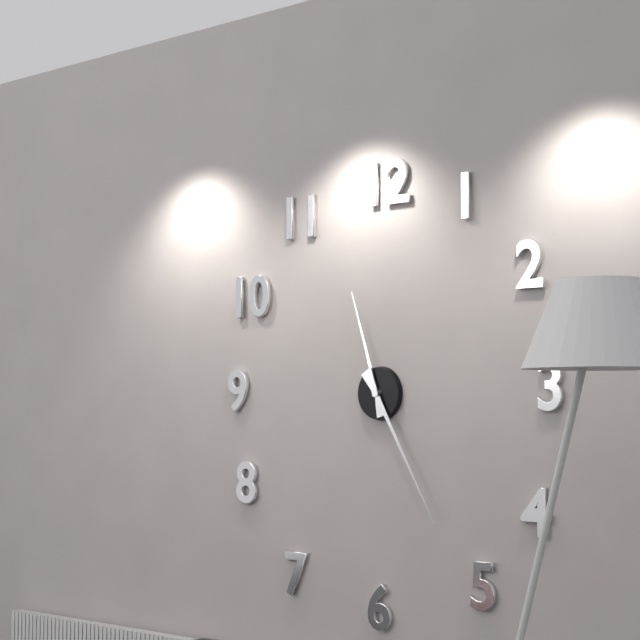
11:25
